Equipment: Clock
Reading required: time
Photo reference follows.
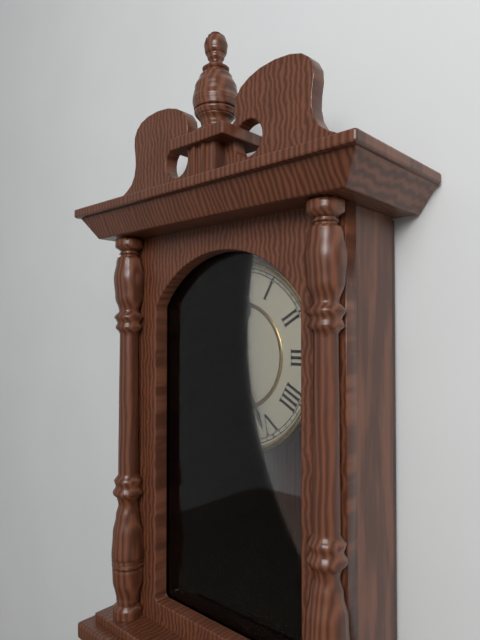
12:26
